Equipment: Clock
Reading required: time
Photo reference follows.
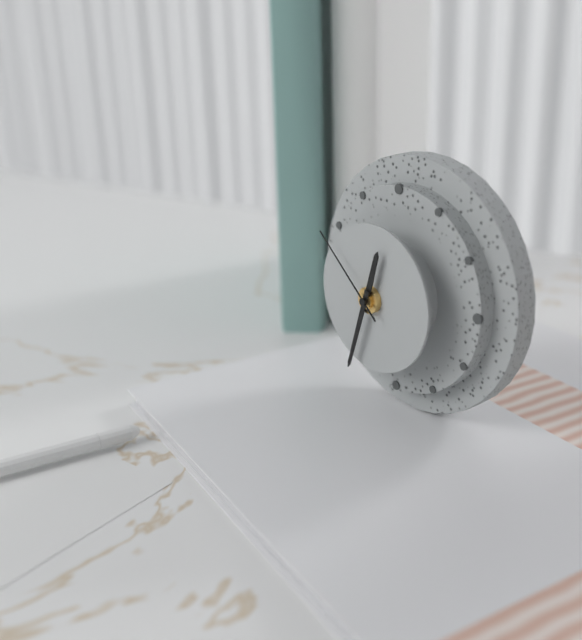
12:33:52
